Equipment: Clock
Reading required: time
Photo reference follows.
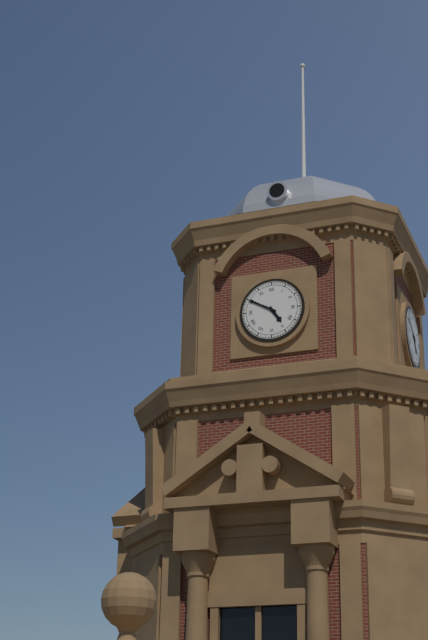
4:50
